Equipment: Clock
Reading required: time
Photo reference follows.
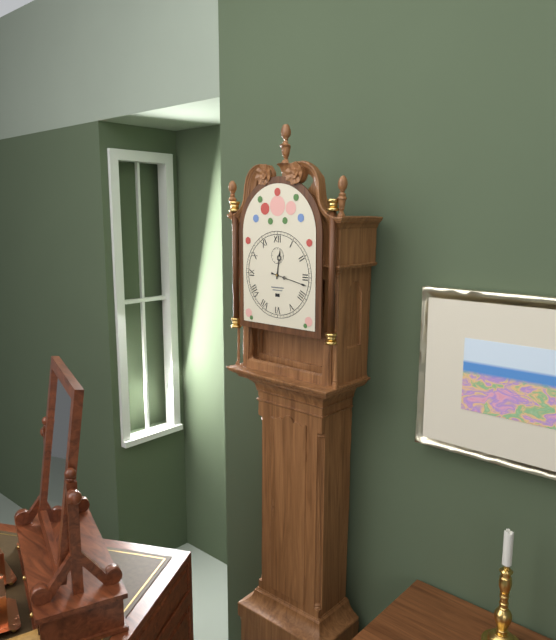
12:17
